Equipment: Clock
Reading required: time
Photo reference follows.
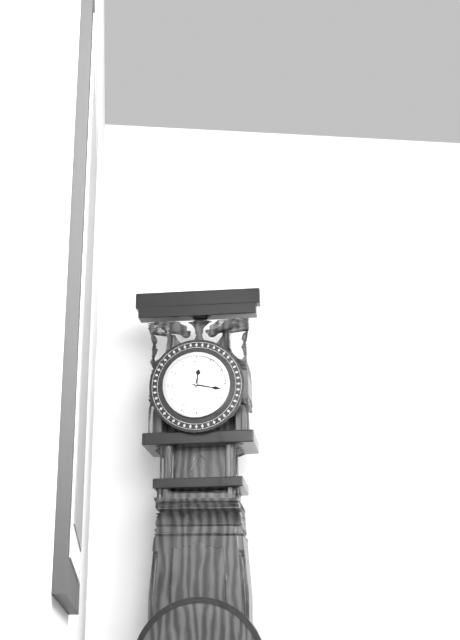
12:17
